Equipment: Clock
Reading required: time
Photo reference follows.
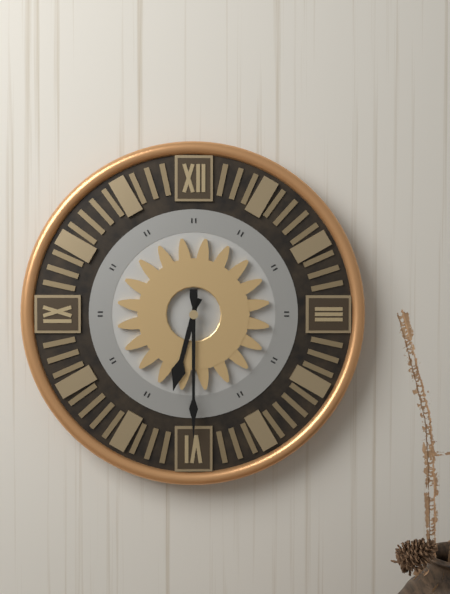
6:30
